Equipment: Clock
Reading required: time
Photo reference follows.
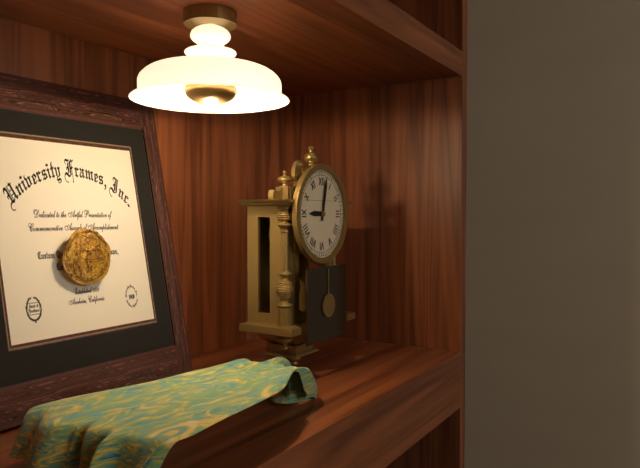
9:02
